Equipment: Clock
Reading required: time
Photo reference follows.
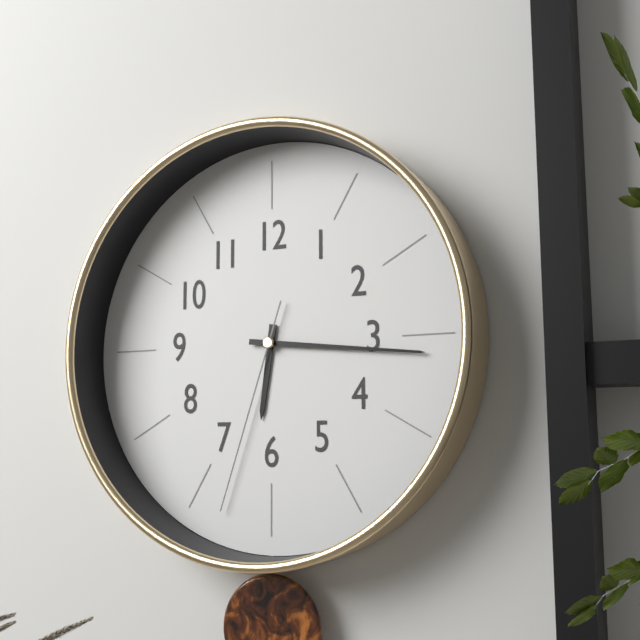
6:16:33
